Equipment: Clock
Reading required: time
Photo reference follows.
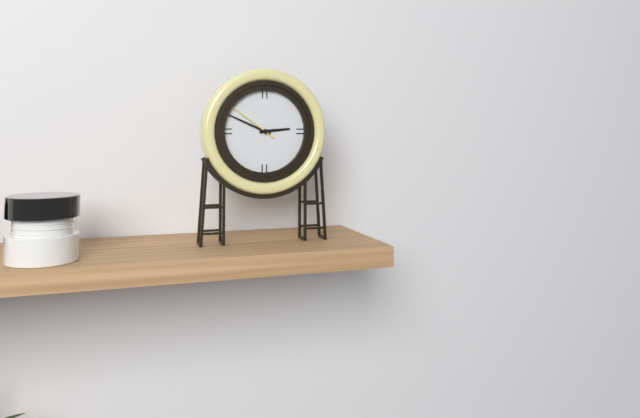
2:49:51
